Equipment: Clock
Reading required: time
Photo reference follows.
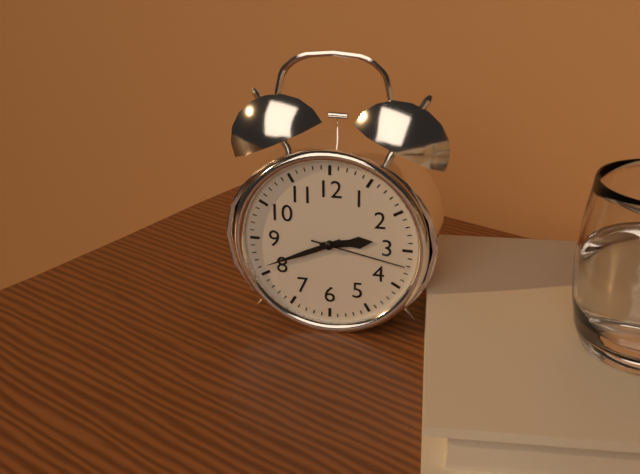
2:41:17
